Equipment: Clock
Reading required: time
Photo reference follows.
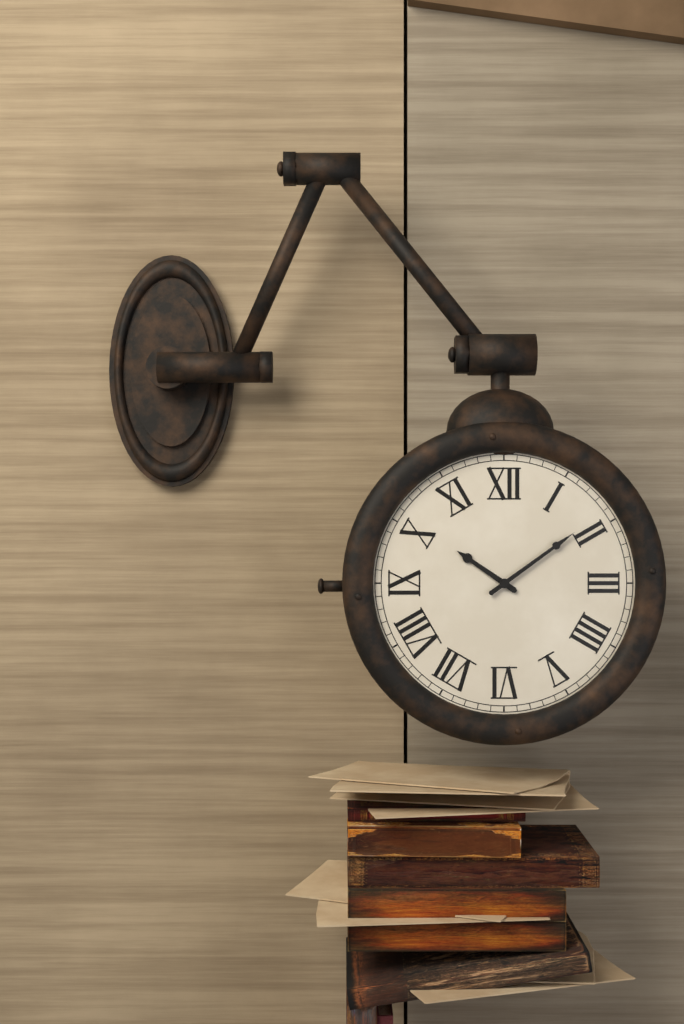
10:09
